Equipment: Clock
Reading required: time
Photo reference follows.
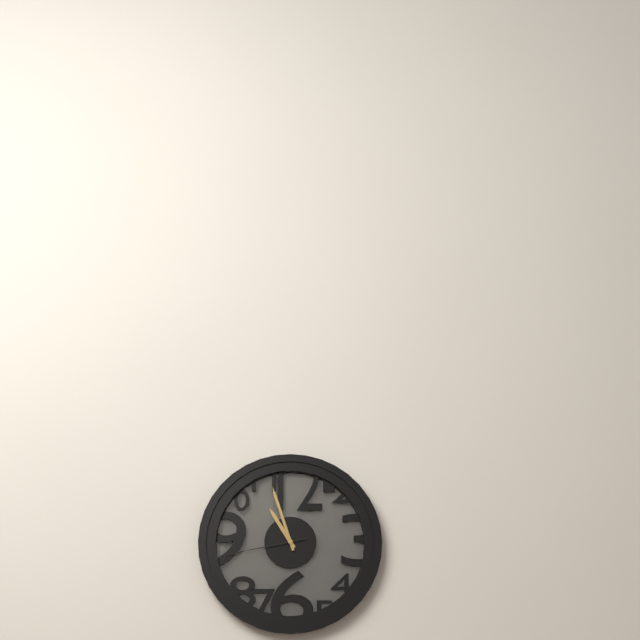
10:57:43
